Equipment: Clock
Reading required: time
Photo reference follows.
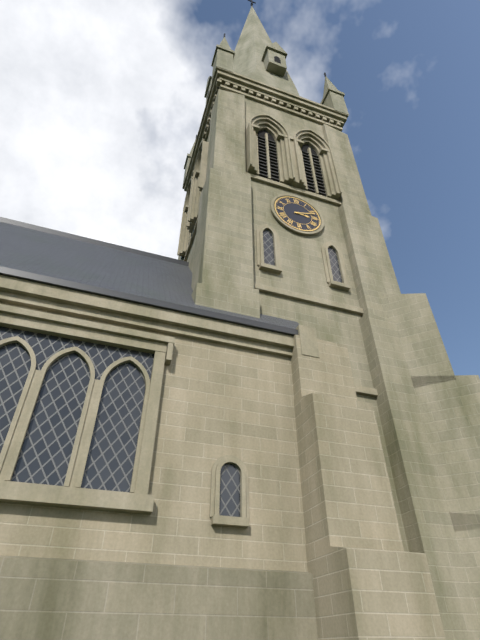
3:12
